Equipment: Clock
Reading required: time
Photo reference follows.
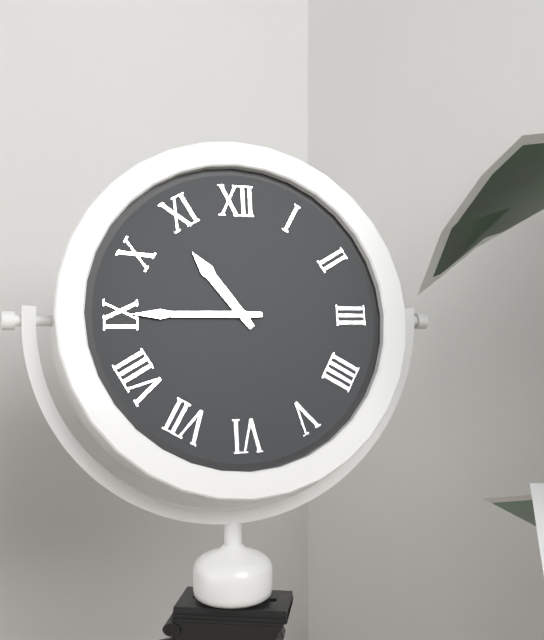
10:45
